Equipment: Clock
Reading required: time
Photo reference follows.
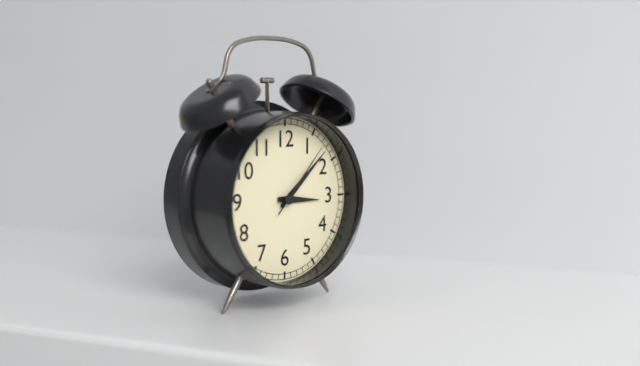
3:08:07
